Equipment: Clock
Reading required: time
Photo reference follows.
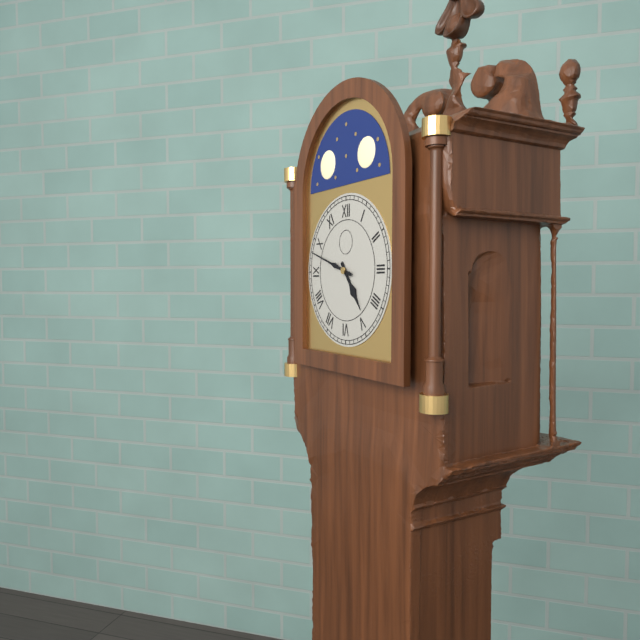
4:48
